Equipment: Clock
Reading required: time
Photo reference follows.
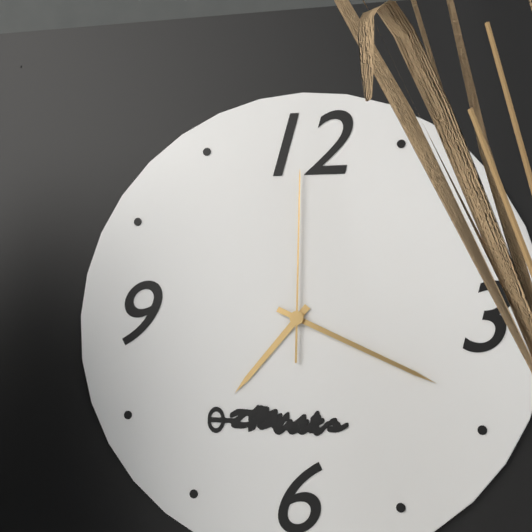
7:19:00
